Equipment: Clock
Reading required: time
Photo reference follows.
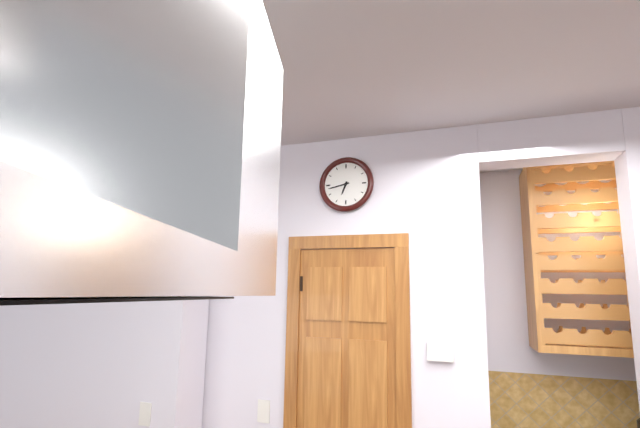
6:43
